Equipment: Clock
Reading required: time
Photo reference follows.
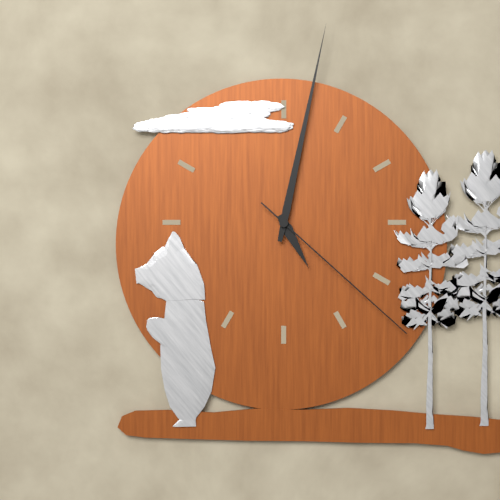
5:02:22
